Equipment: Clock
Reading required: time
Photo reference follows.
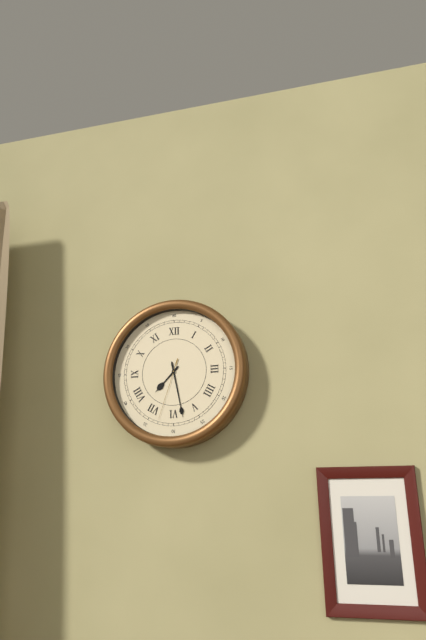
7:28:33
